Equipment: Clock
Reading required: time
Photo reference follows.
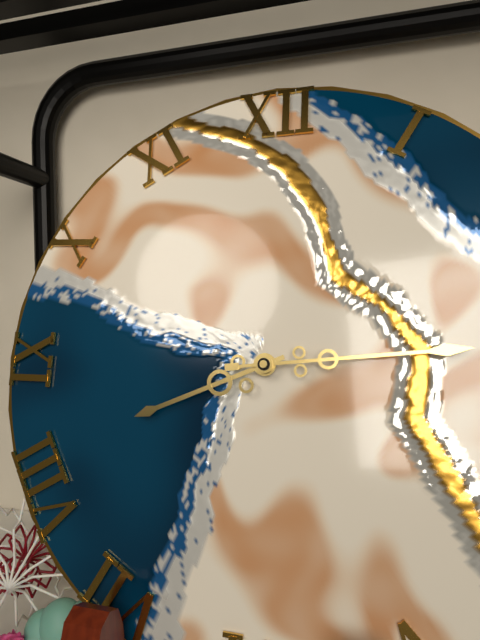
8:14
